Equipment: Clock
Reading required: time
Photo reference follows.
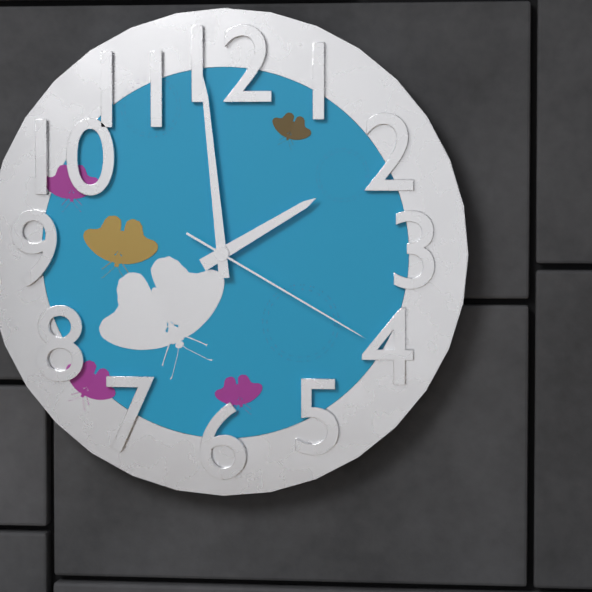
1:59:20
